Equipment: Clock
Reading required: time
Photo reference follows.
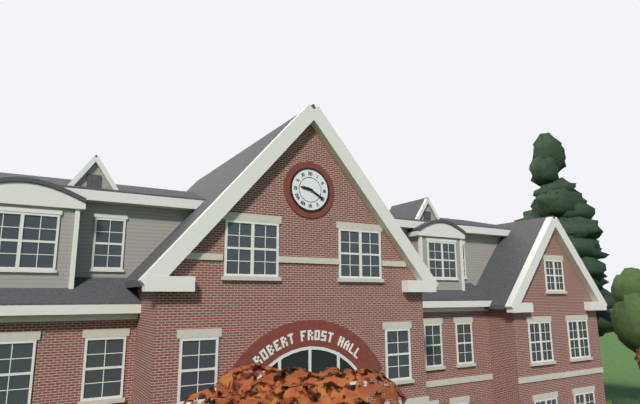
9:20
